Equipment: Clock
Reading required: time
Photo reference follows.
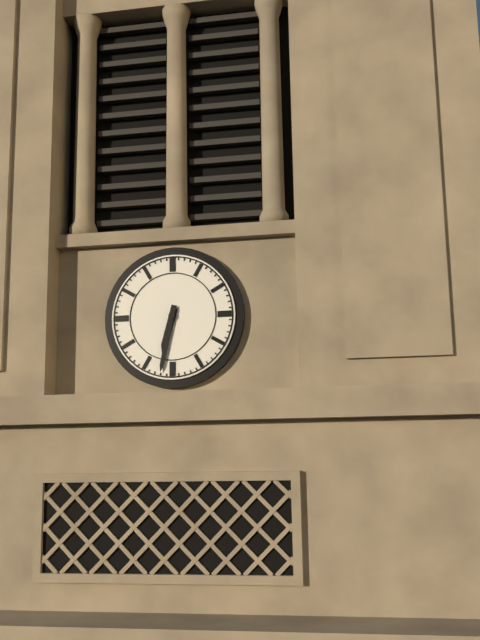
6:32
